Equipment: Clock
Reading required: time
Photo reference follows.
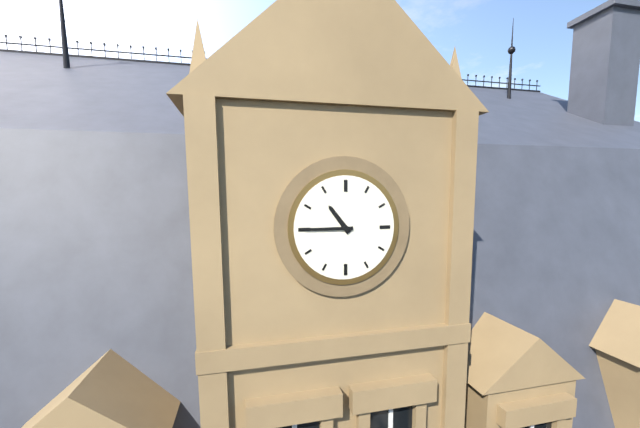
10:45
